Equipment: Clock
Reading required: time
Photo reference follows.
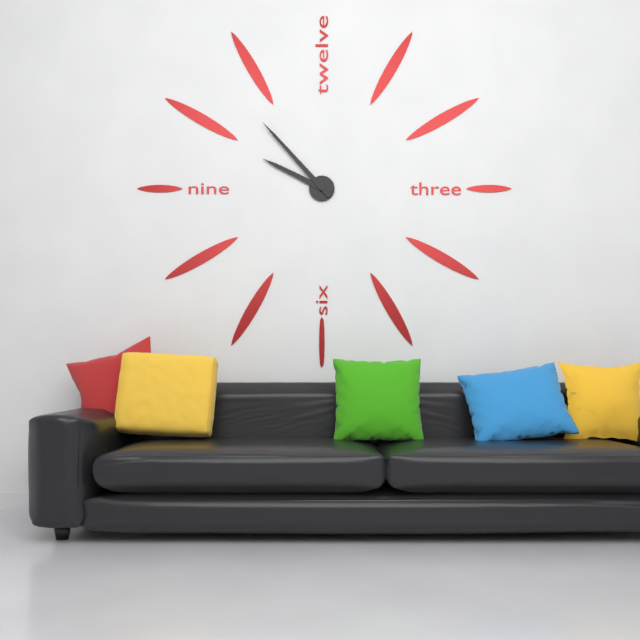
9:53
